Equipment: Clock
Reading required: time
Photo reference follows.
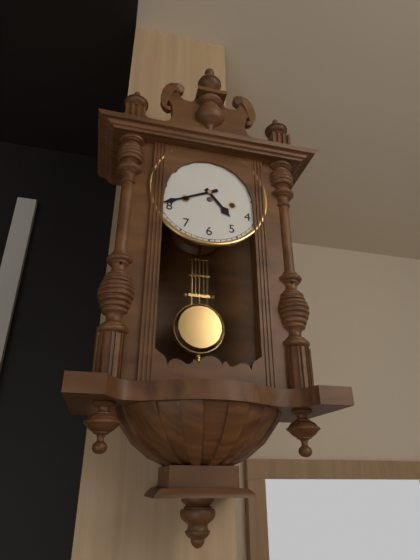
4:41
